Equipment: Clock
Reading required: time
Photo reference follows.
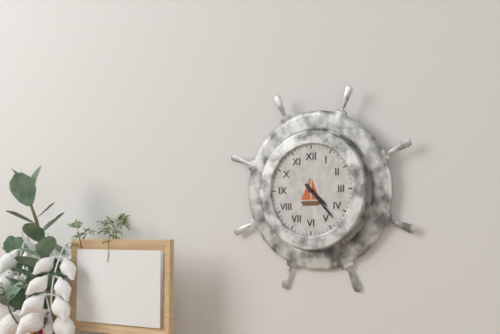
4:23
